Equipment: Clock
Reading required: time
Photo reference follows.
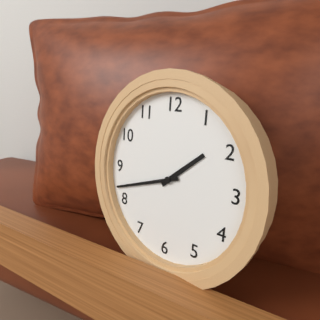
1:42
